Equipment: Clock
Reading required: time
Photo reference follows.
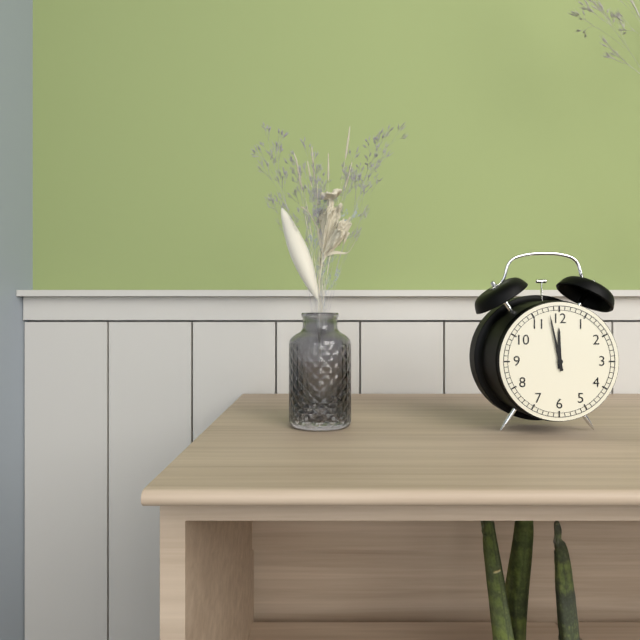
11:58
